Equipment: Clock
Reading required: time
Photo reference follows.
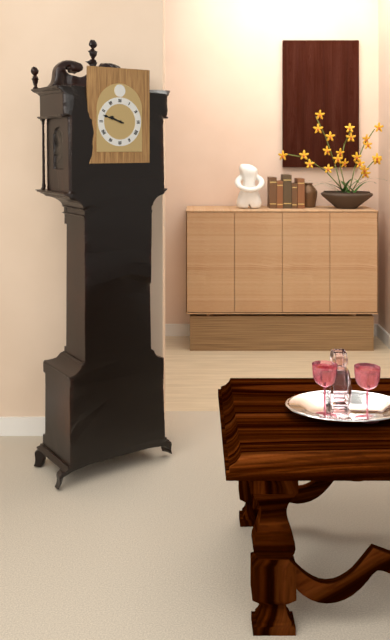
9:48
